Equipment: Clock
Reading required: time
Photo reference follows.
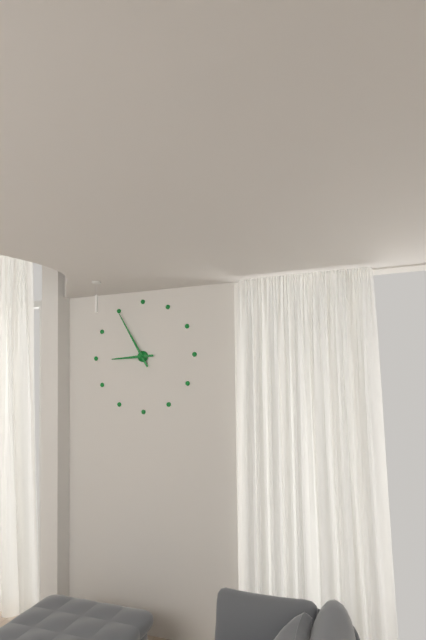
8:55
